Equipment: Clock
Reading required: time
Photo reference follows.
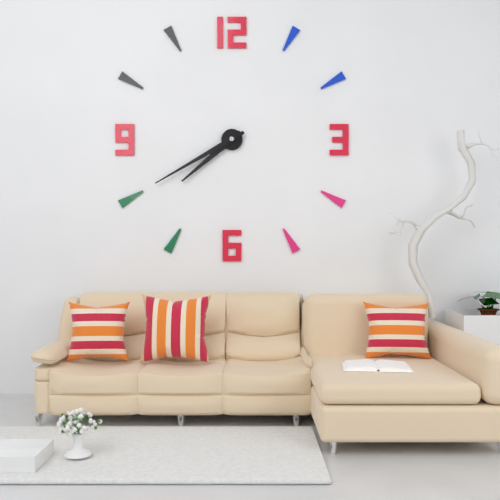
7:40
